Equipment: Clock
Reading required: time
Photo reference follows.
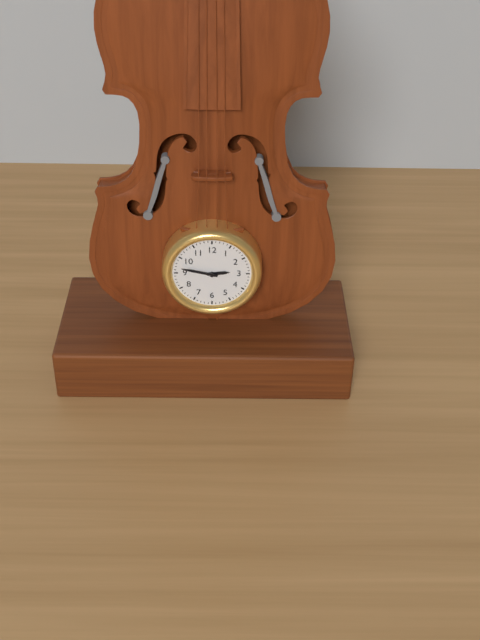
2:47
